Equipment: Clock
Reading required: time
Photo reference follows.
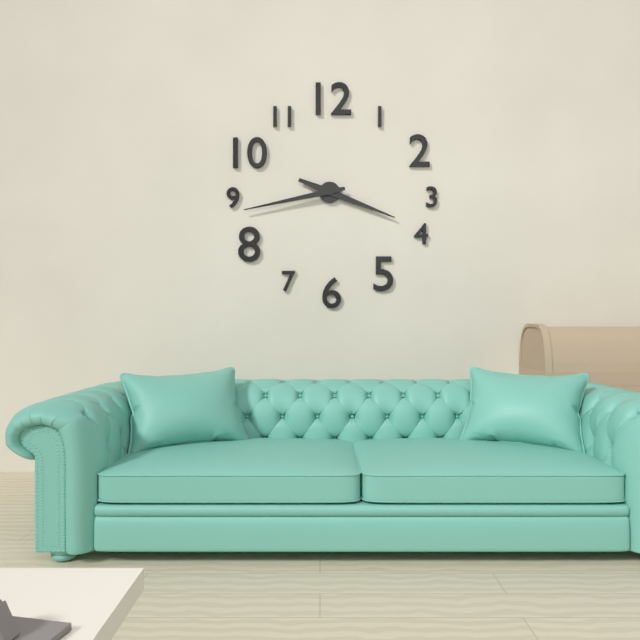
3:43
